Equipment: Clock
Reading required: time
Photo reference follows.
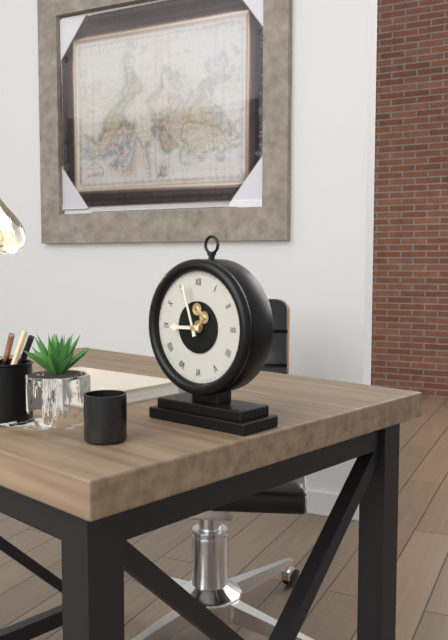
8:57
